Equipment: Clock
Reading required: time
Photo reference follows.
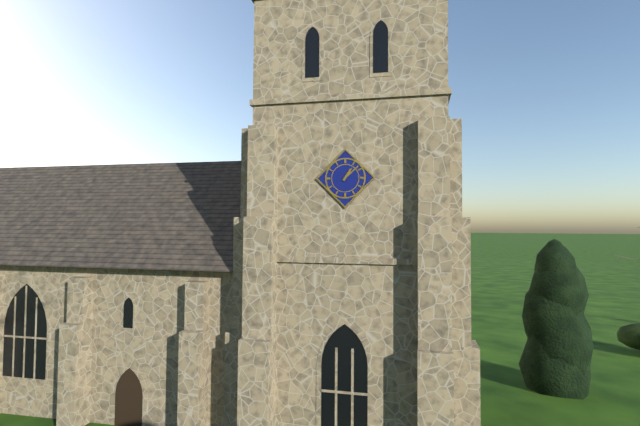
1:08
